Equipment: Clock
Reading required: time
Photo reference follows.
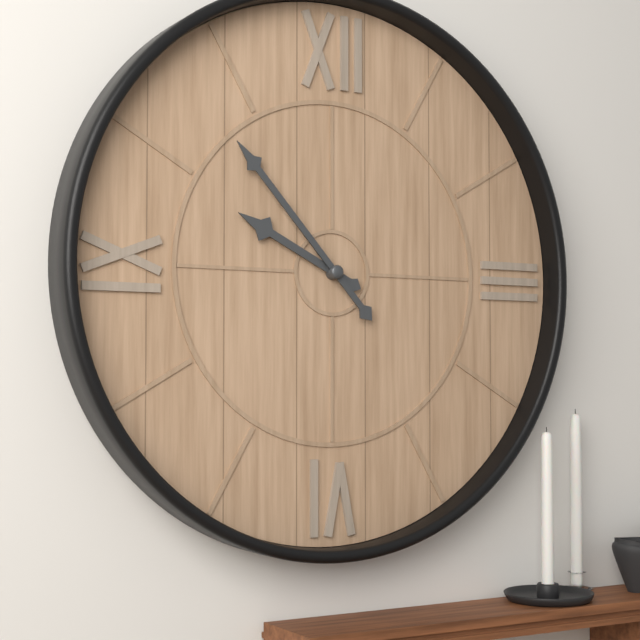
9:53
